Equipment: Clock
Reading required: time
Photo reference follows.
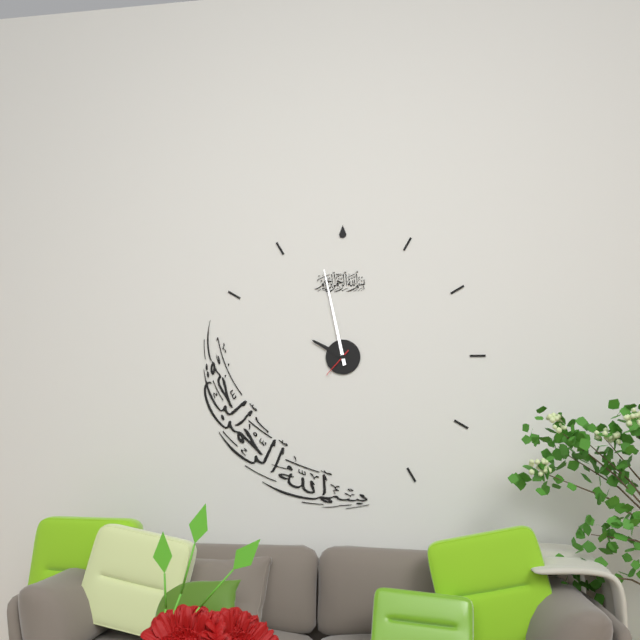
9:58
